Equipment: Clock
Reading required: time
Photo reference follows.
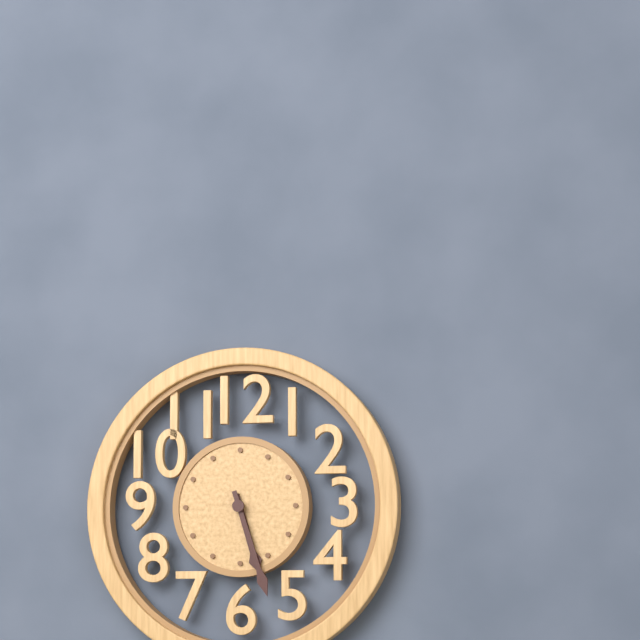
5:27
